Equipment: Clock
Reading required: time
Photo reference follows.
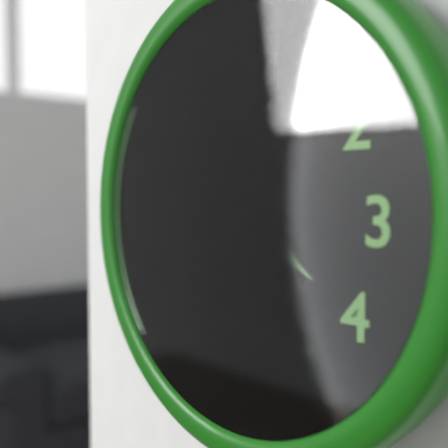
4:00:52
